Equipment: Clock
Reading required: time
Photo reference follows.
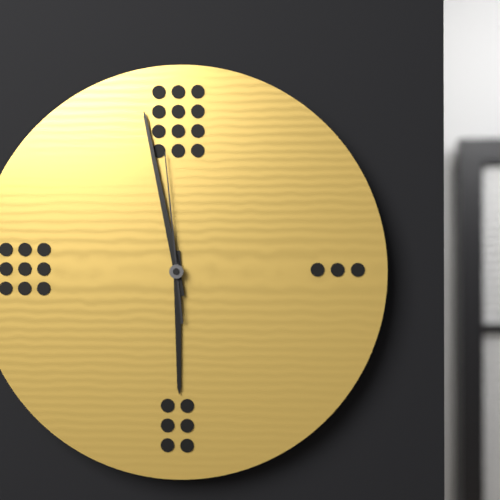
5:58:59
